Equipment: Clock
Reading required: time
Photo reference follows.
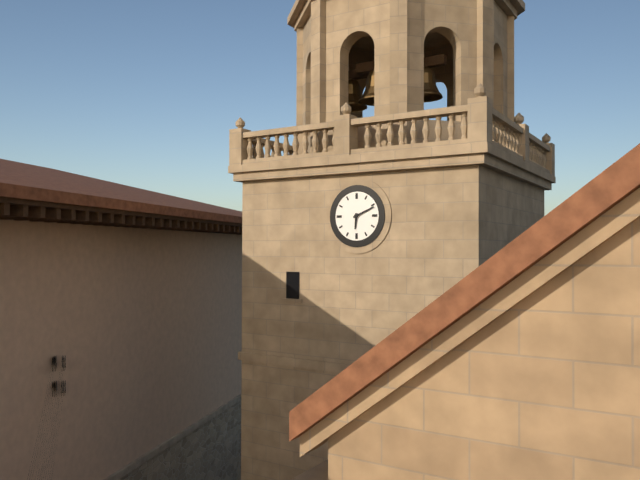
6:11
